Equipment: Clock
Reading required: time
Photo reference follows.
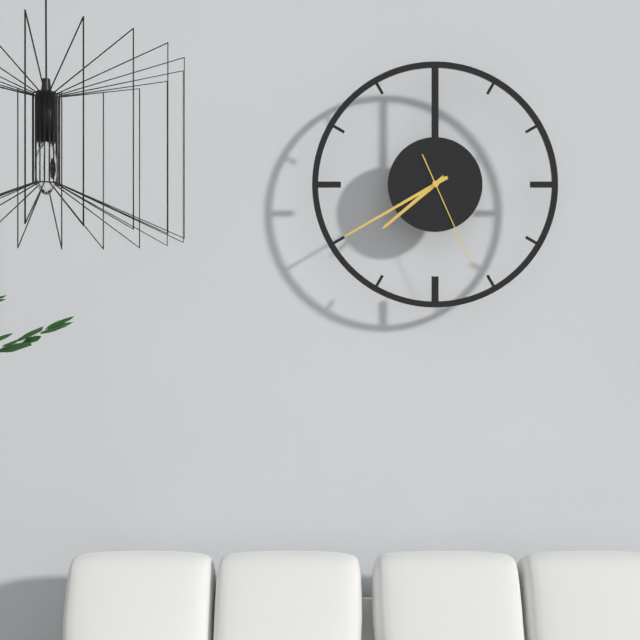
7:40:26
